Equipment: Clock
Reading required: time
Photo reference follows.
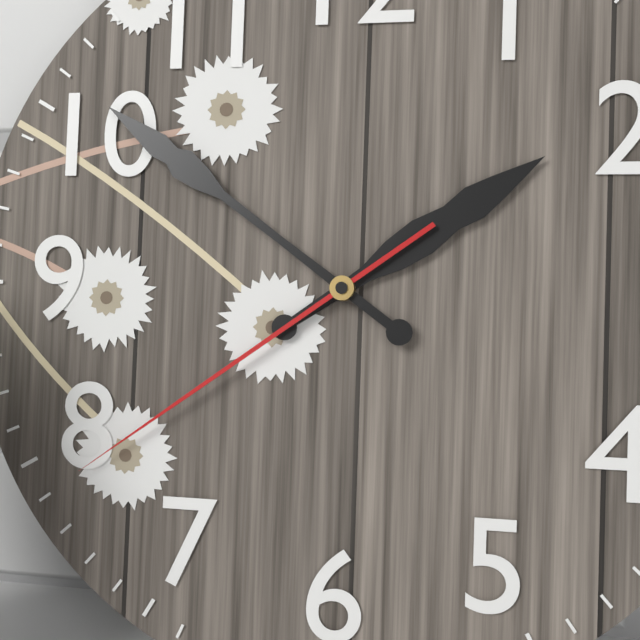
1:51:39
